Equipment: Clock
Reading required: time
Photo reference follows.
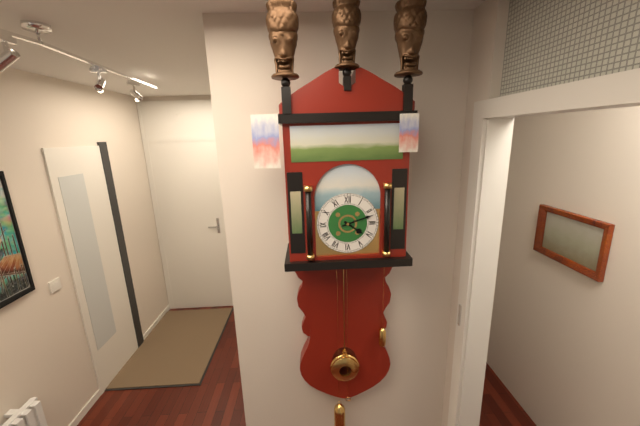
4:12
